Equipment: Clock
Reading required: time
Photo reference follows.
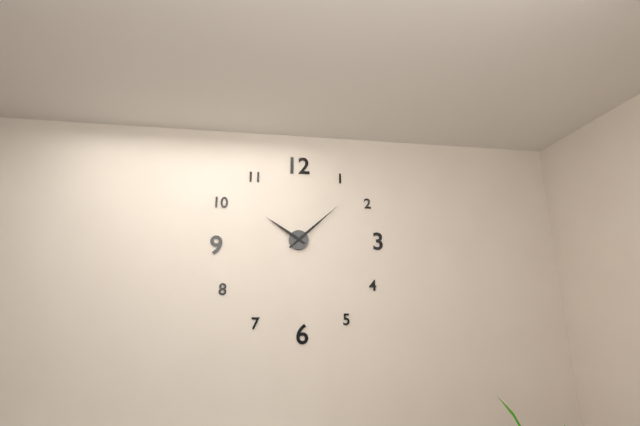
10:08
